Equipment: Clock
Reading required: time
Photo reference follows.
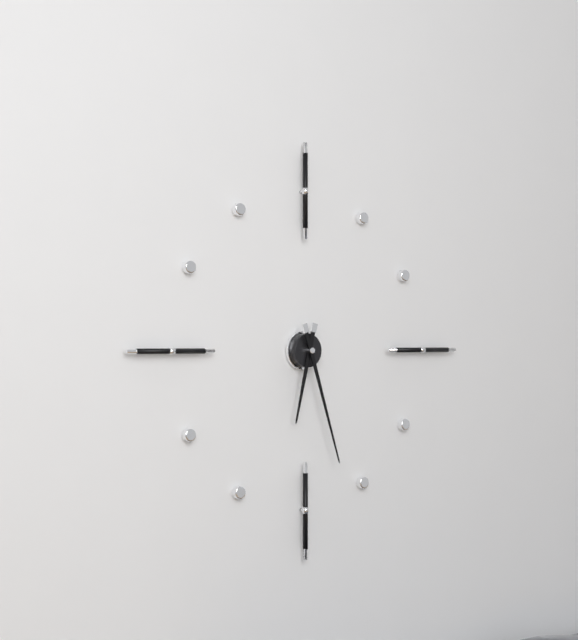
6:27
